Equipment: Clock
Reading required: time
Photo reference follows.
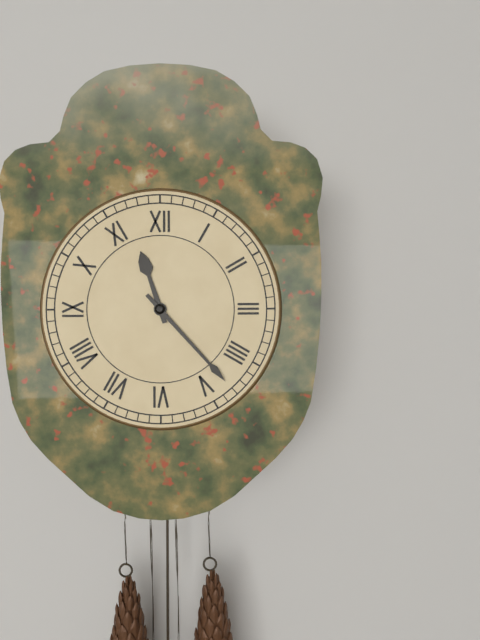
11:23
